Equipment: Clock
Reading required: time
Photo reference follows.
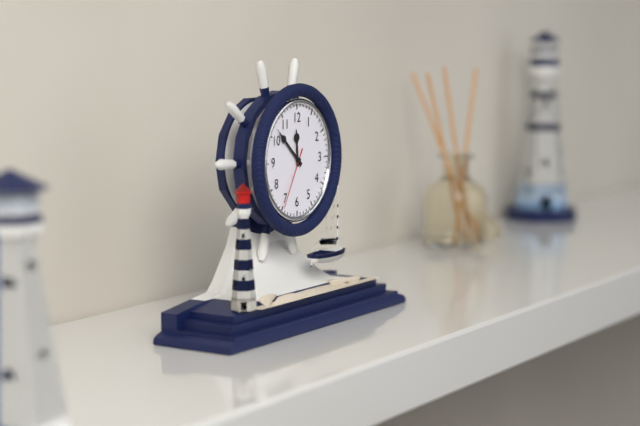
11:52:35
